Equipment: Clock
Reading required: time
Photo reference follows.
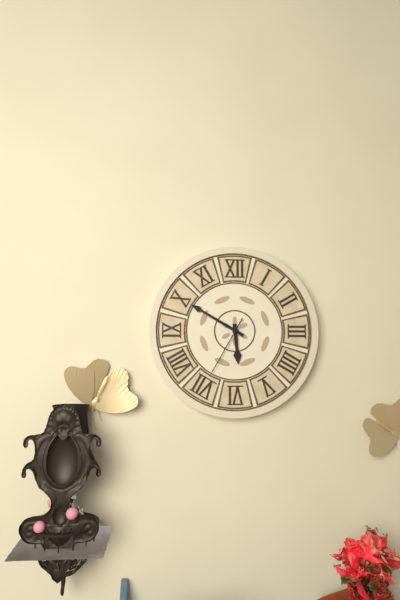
5:50:35
